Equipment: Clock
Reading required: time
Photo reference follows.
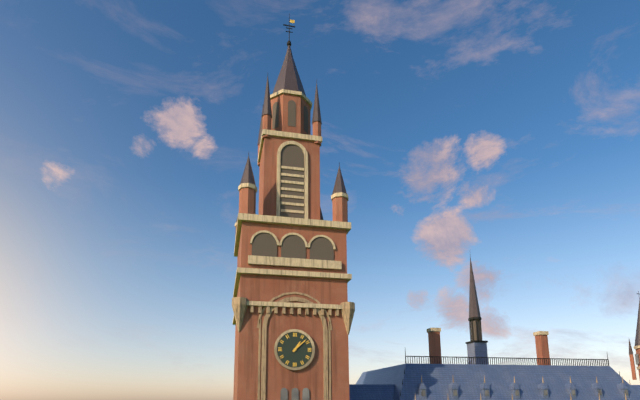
1:08
